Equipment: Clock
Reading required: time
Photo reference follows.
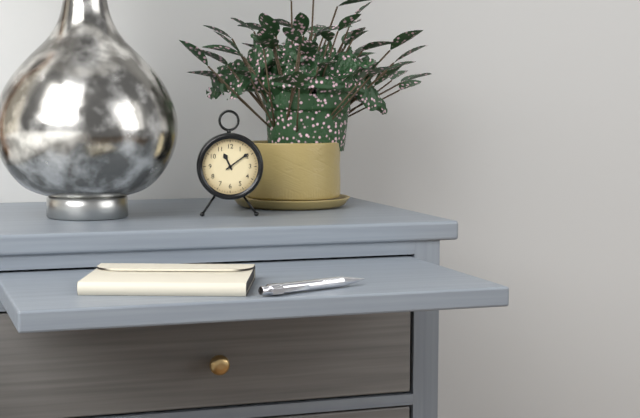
11:09
